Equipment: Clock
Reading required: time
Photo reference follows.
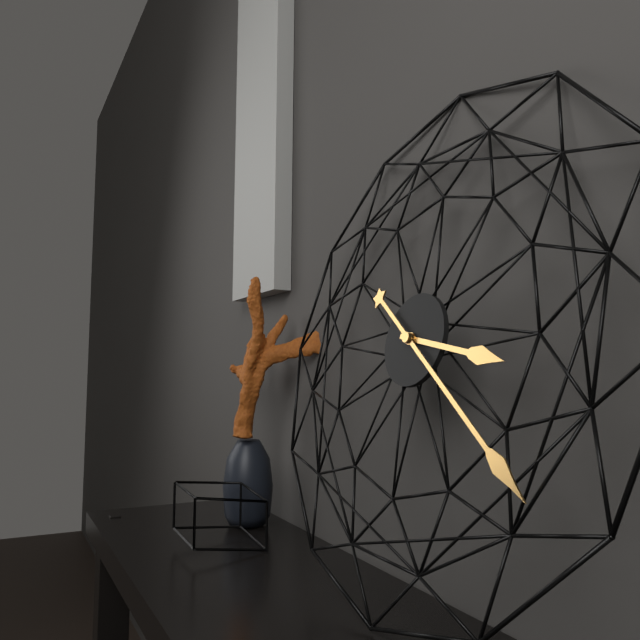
3:21
